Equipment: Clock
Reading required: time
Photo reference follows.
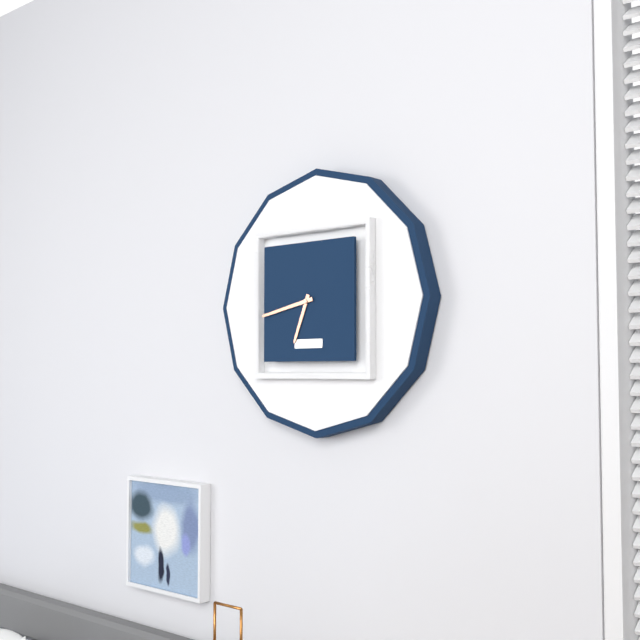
6:43
